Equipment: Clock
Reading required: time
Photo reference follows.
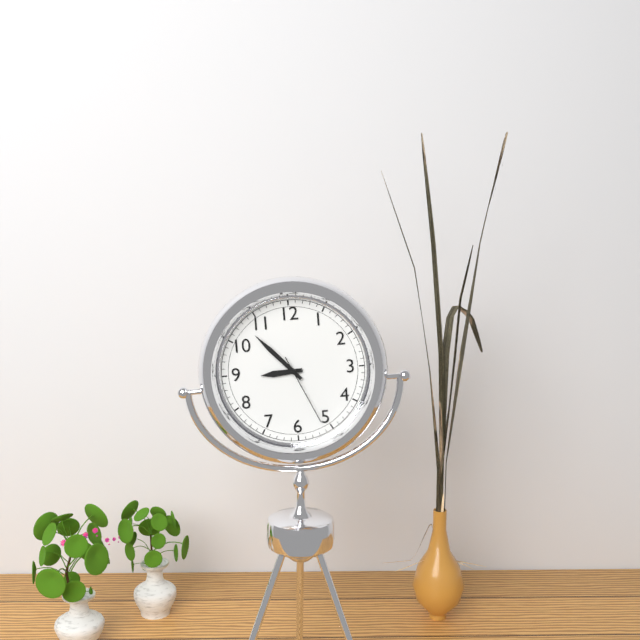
8:53:26
